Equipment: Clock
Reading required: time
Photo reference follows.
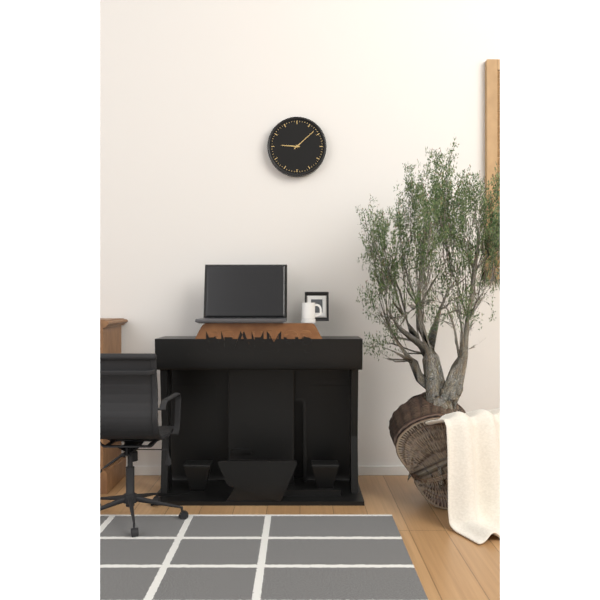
9:08
